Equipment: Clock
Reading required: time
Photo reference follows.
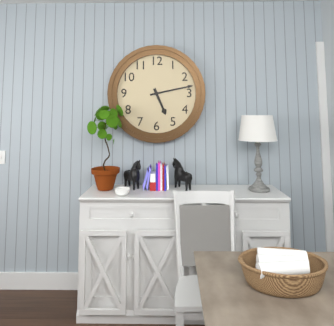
5:13
